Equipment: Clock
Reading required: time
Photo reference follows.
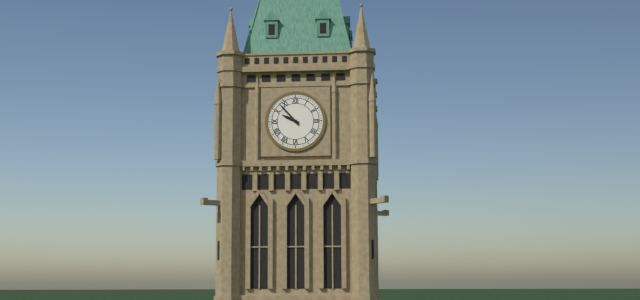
9:53
